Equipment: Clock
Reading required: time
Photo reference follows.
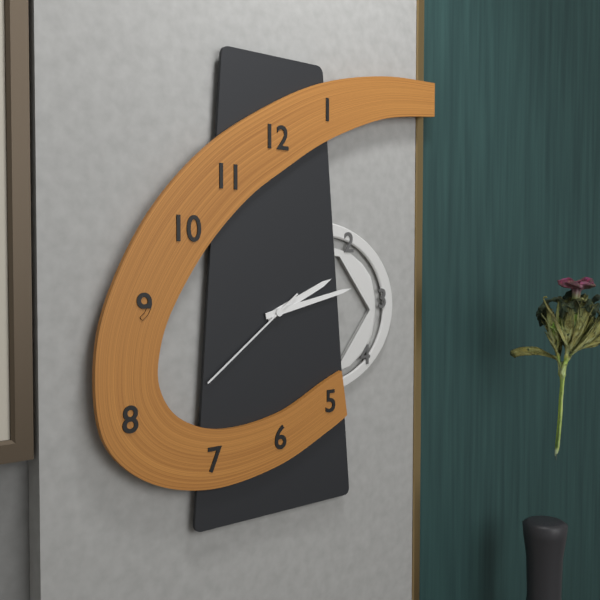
2:13:39
